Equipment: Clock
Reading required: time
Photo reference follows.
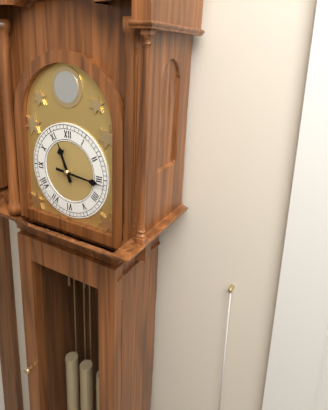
11:16
